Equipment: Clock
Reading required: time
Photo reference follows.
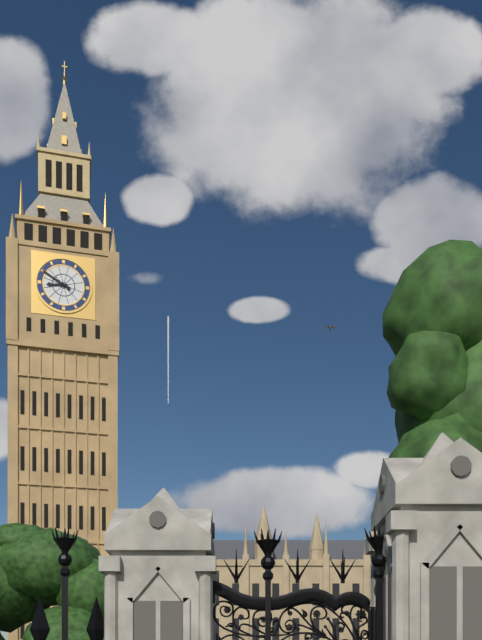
8:50
